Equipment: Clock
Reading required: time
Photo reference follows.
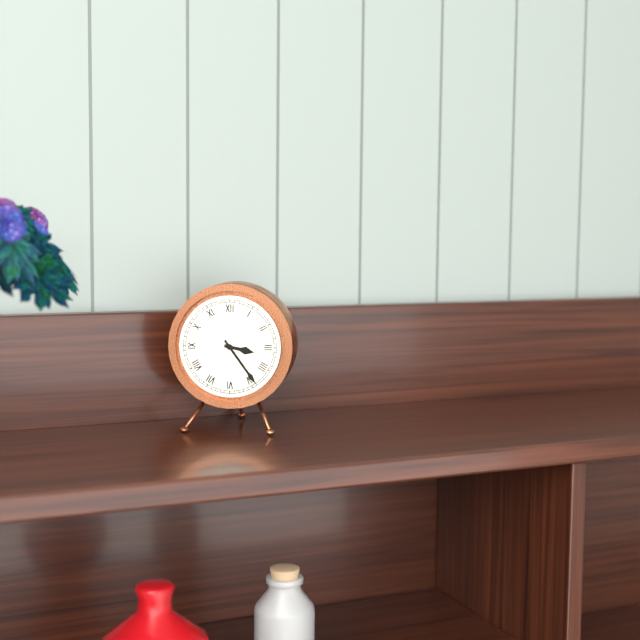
3:24
